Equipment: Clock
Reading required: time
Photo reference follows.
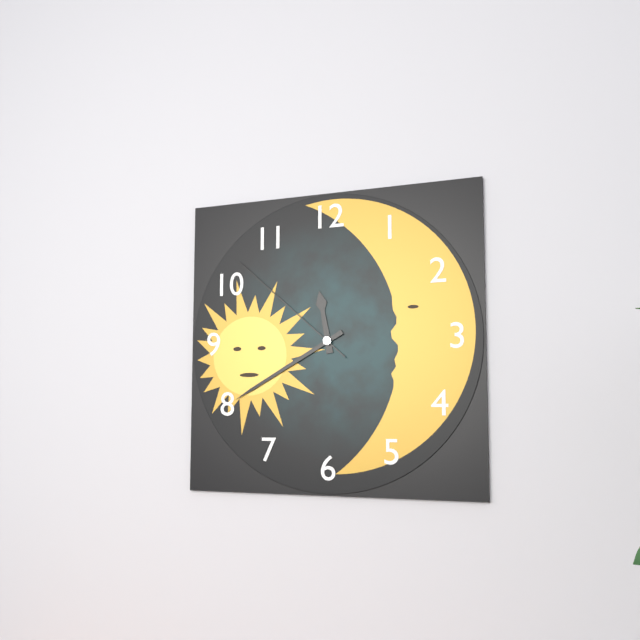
11:40:52
